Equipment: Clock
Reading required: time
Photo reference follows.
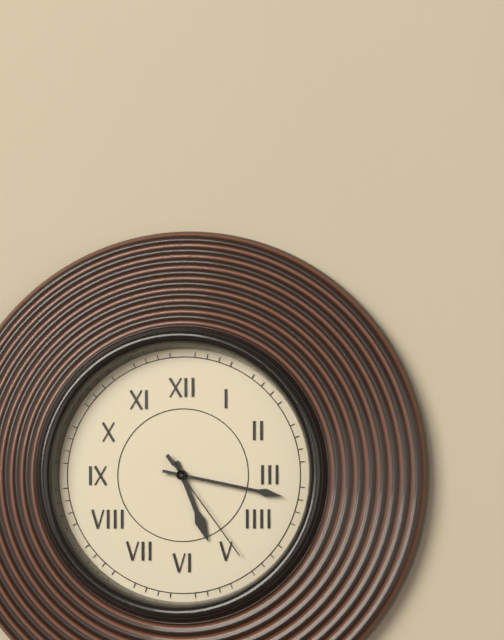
5:17:24
